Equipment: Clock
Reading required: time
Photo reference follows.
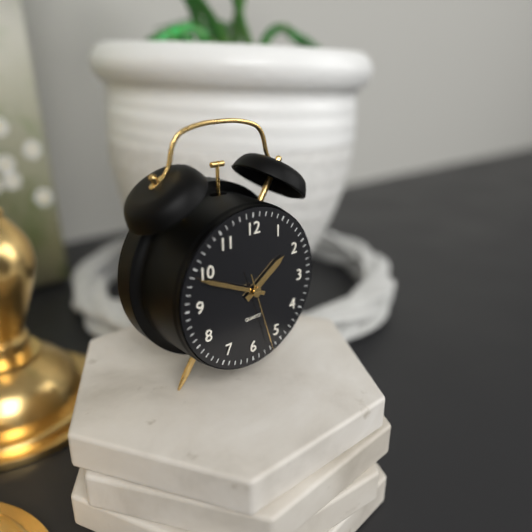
1:49:27
